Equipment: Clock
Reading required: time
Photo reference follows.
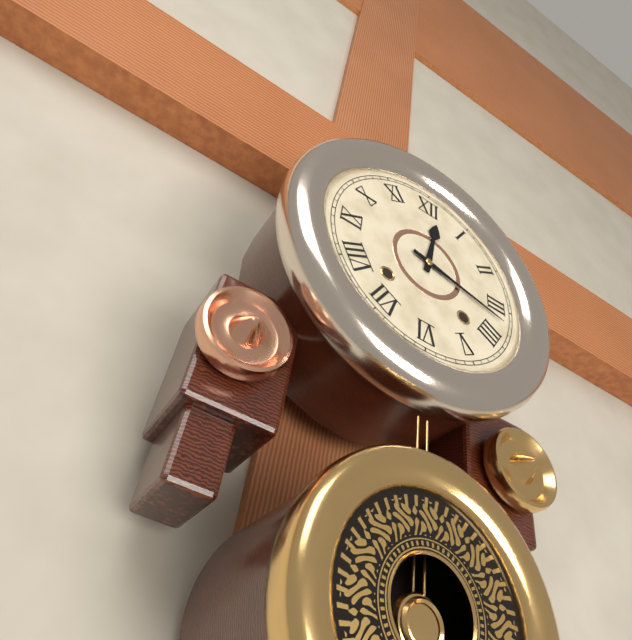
12:17
